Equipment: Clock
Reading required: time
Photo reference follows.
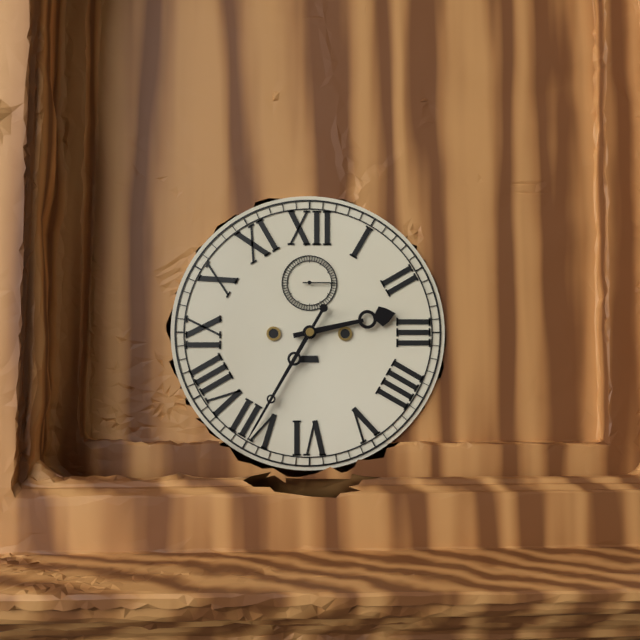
2:35
